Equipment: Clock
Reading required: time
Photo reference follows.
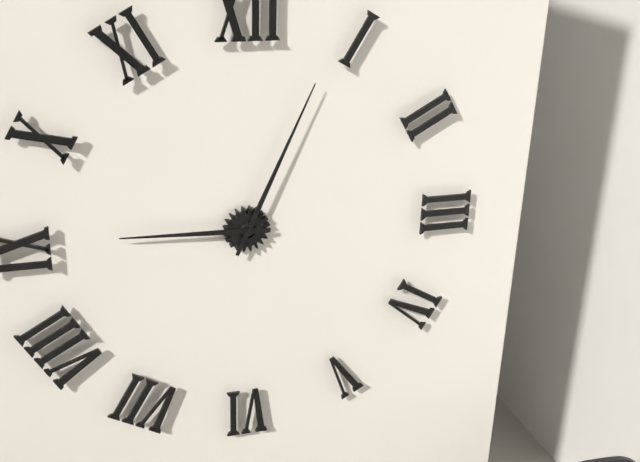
9:04
